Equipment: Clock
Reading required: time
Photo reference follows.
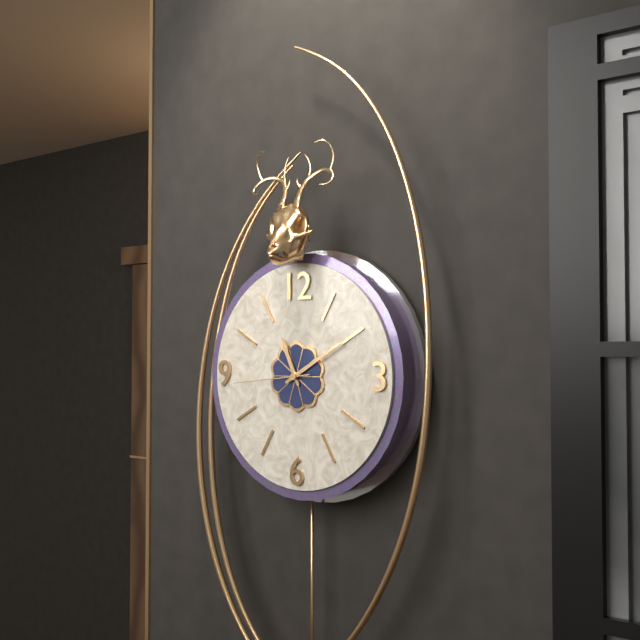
11:10:44
